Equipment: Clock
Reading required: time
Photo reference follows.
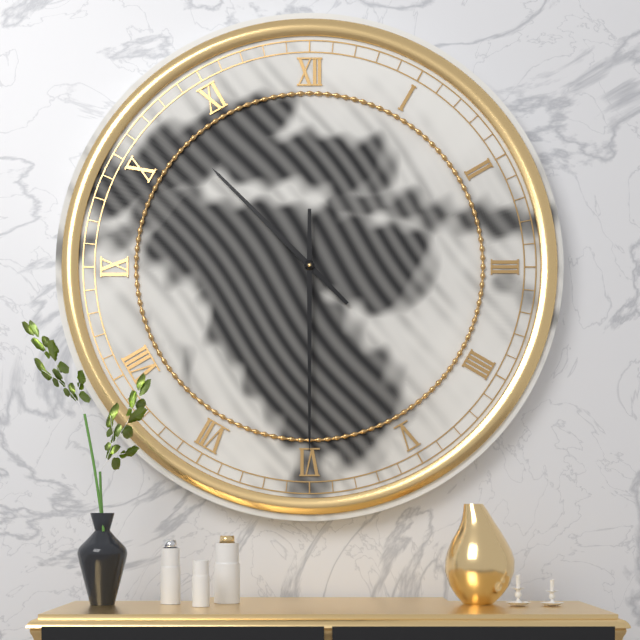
10:30
